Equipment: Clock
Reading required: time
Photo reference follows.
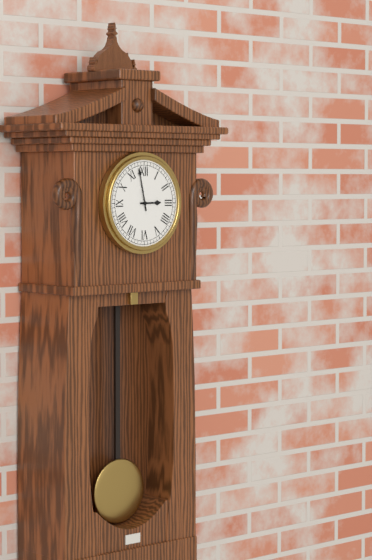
2:58
